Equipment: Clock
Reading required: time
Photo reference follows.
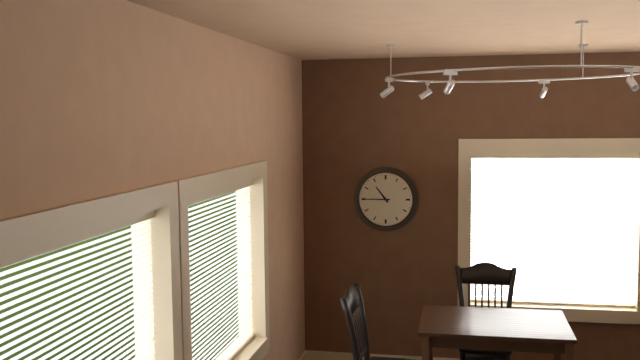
10:45
